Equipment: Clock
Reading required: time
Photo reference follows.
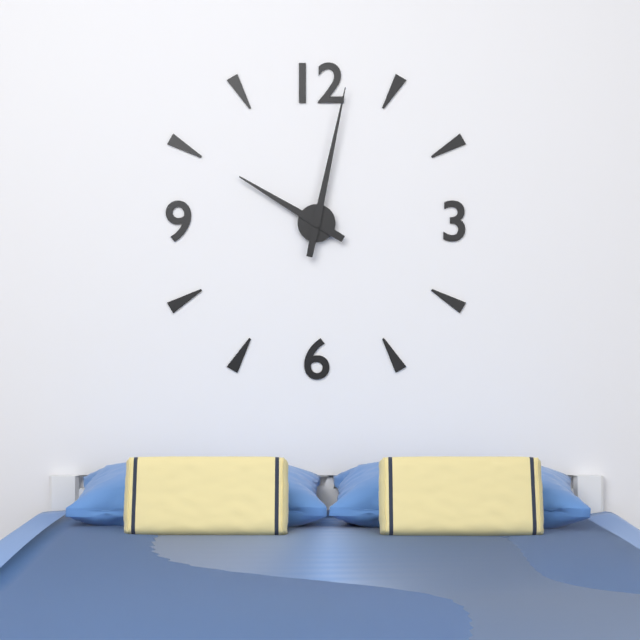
10:02
